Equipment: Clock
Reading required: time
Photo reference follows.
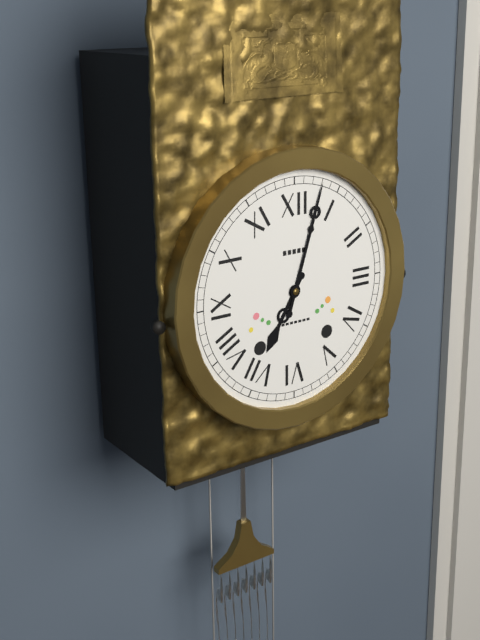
7:03
